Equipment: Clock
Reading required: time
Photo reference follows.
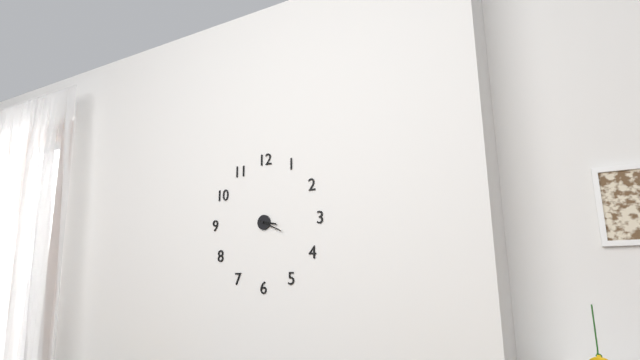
3:19
